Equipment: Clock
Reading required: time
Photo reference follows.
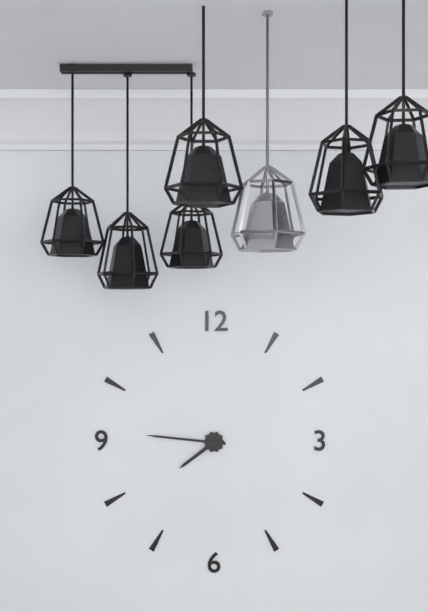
7:46
